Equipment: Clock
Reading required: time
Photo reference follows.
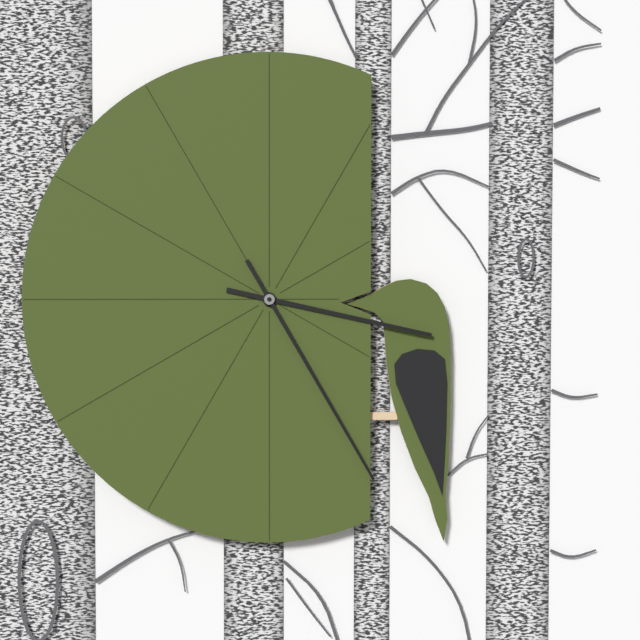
3:25
